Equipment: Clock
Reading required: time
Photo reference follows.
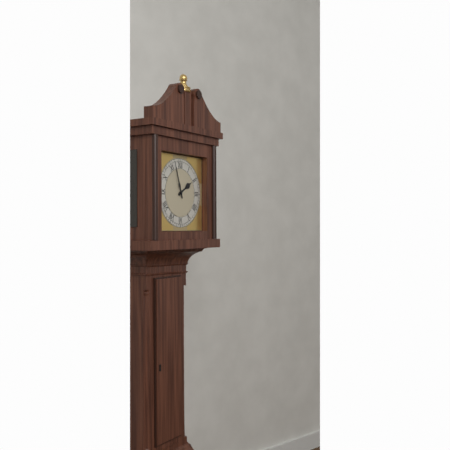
1:57
